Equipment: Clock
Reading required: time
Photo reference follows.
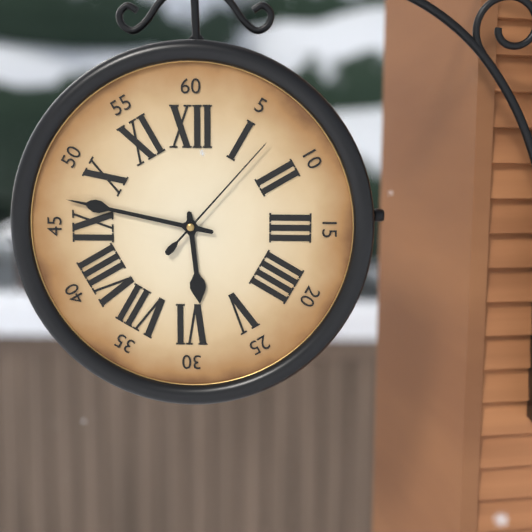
5:47:07
